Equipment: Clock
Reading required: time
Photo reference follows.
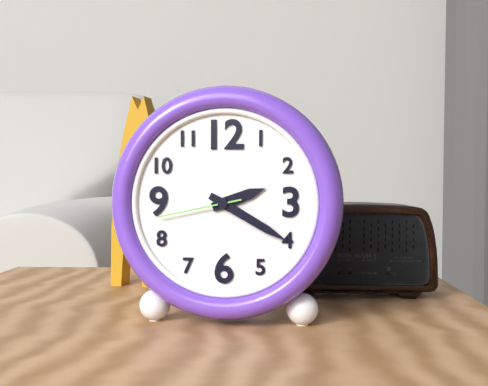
2:20:43
